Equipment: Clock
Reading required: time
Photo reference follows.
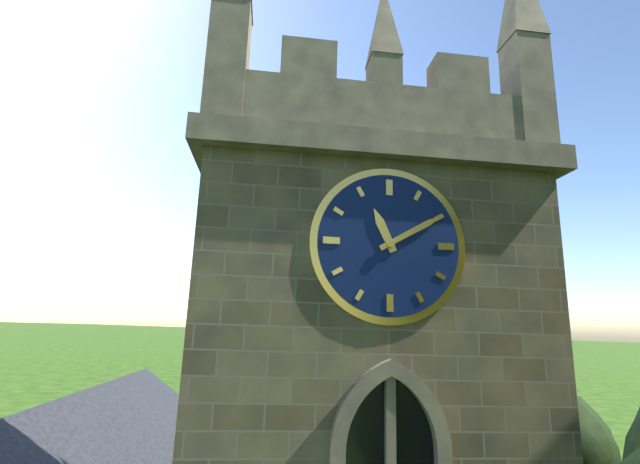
11:10
